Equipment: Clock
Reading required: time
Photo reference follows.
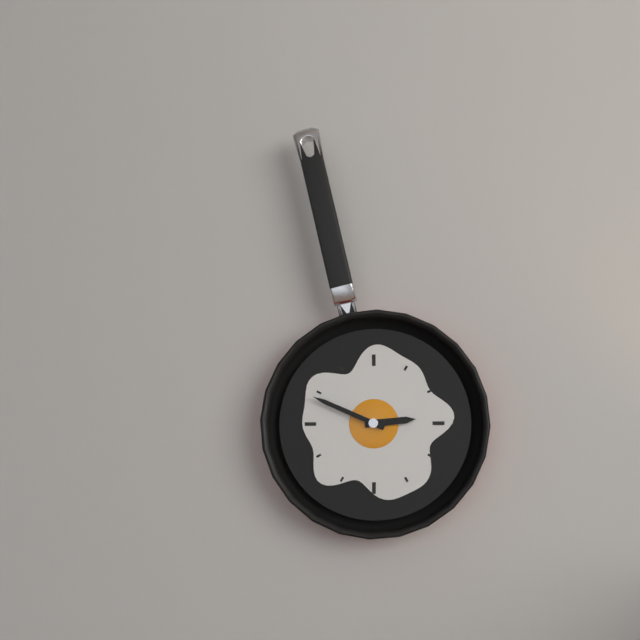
2:49
